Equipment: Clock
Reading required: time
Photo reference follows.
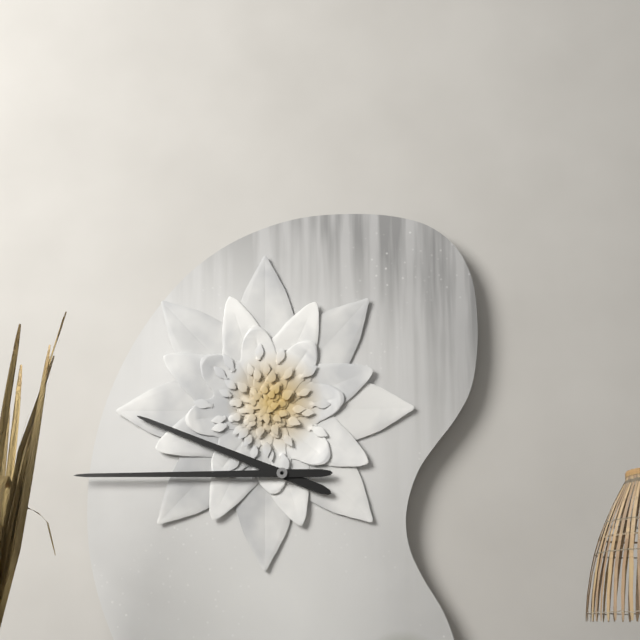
9:45
